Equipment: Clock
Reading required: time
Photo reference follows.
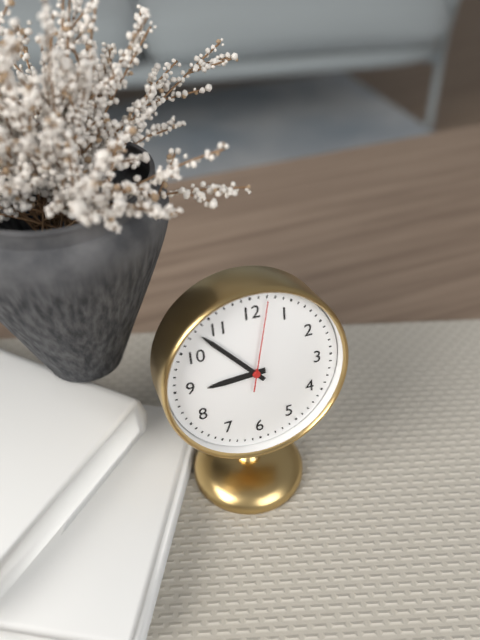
8:53:02
